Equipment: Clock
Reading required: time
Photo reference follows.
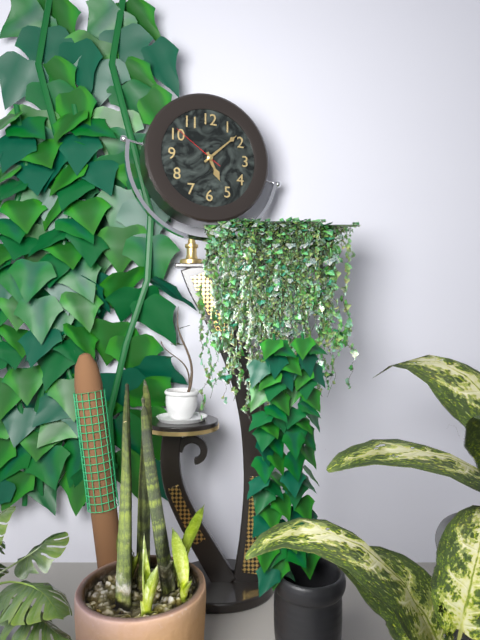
5:08:51
